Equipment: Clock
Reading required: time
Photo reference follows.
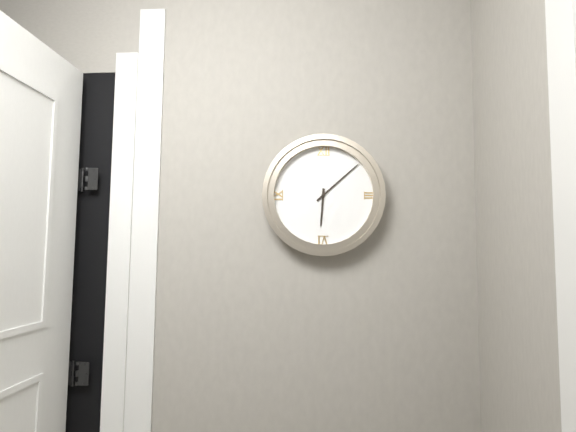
6:08
